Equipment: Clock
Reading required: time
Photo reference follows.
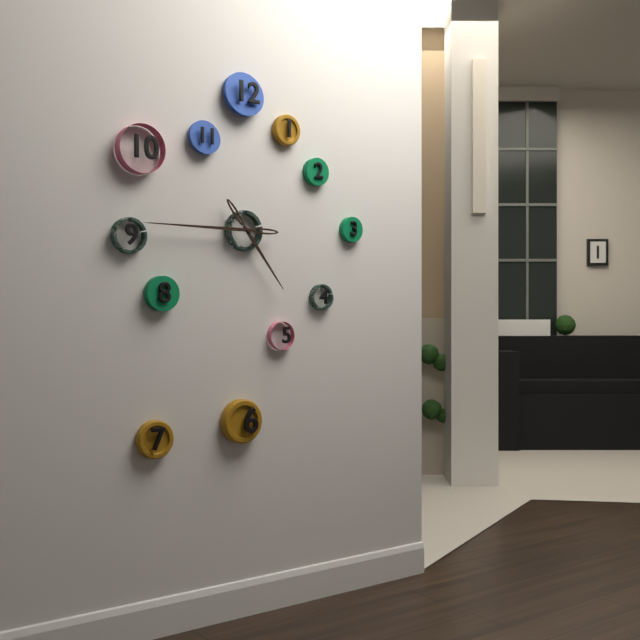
4:45
